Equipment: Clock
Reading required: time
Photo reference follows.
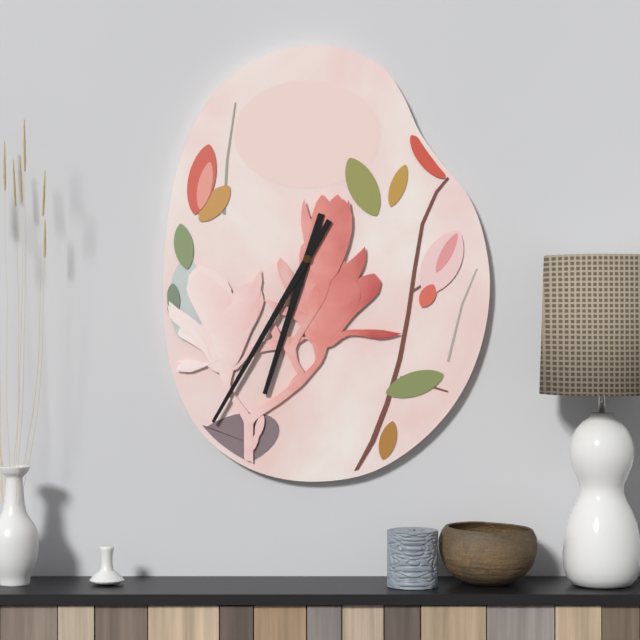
6:35
